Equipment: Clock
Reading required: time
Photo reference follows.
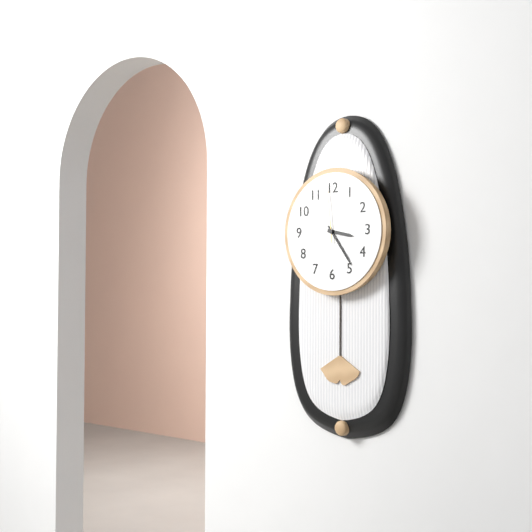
3:24:59
